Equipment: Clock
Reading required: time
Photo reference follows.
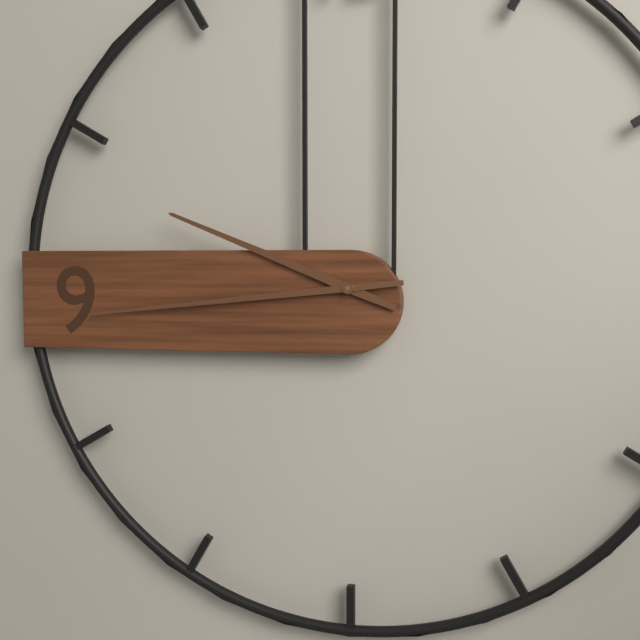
9:44
